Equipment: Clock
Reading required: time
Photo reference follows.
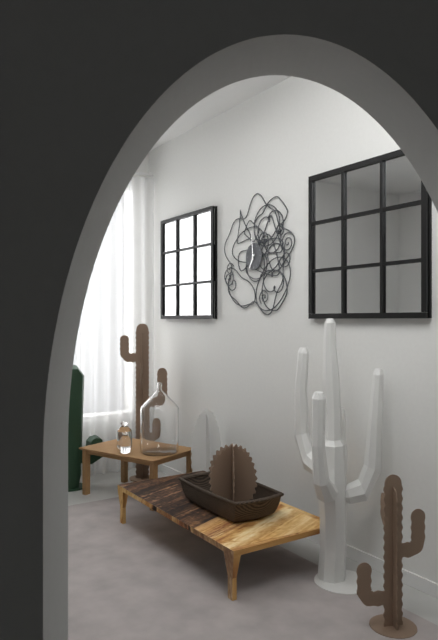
6:59
